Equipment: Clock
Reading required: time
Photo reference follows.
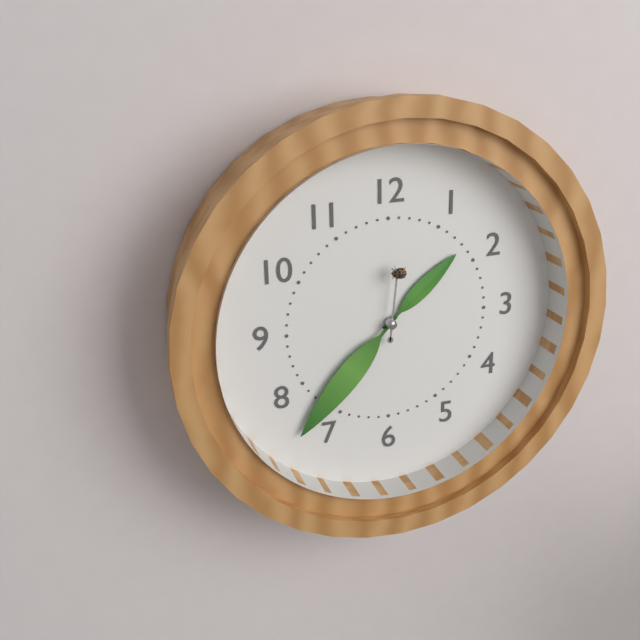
1:37:01
